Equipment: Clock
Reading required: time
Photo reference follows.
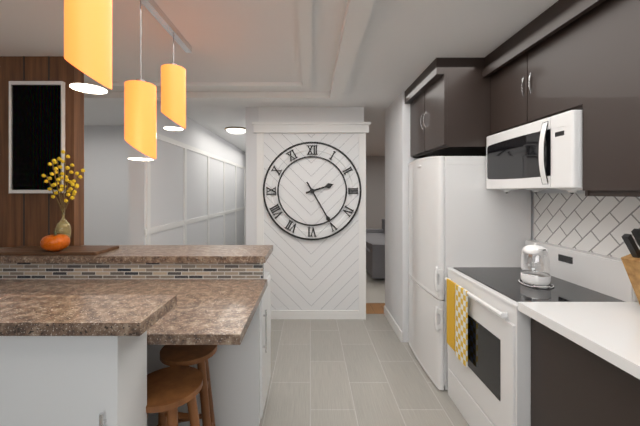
2:25
